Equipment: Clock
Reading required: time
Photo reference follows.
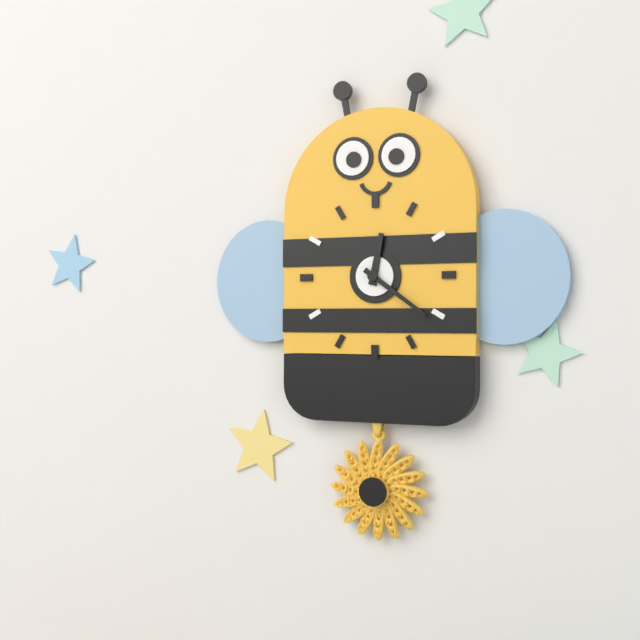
12:21
